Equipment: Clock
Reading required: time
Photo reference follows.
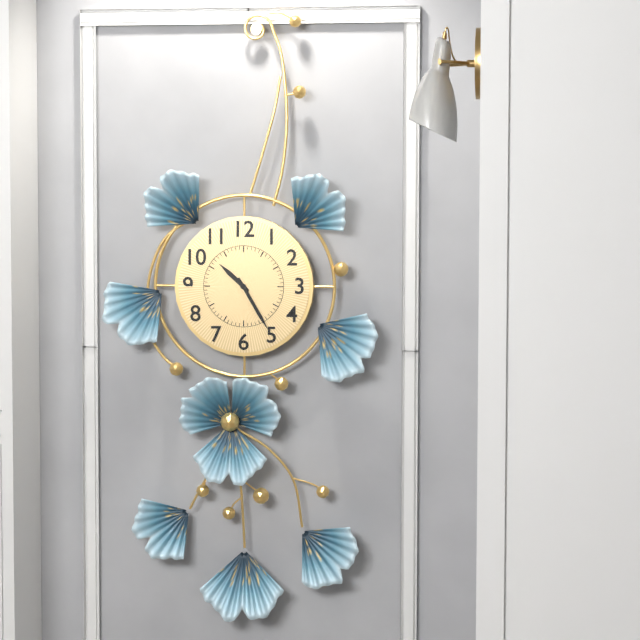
10:25
